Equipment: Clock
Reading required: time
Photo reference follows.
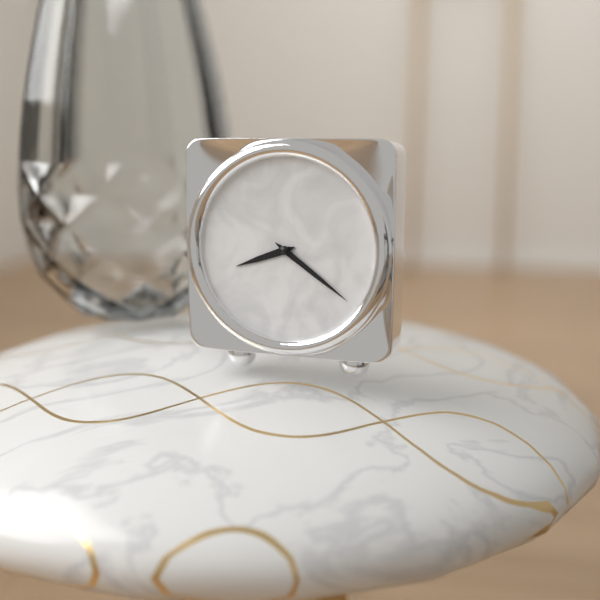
8:21
